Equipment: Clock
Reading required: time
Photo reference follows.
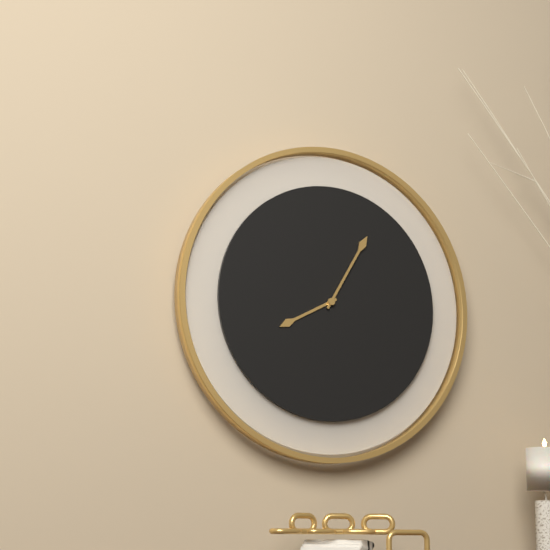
8:05
